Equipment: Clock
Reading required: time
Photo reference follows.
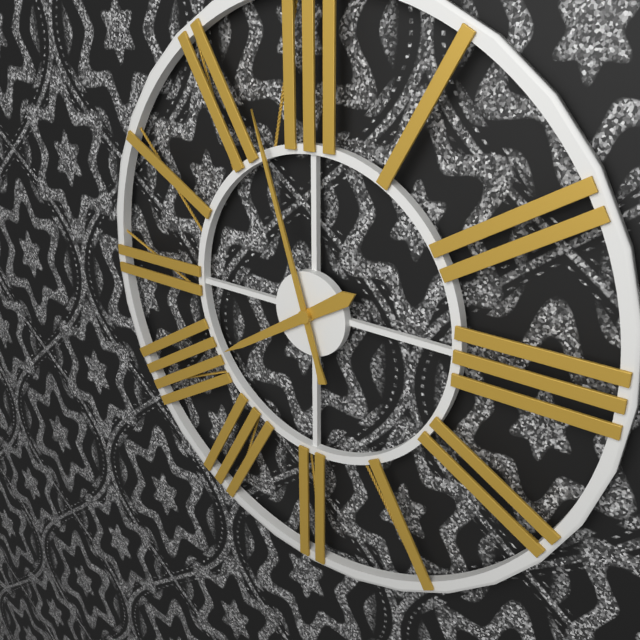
7:57
